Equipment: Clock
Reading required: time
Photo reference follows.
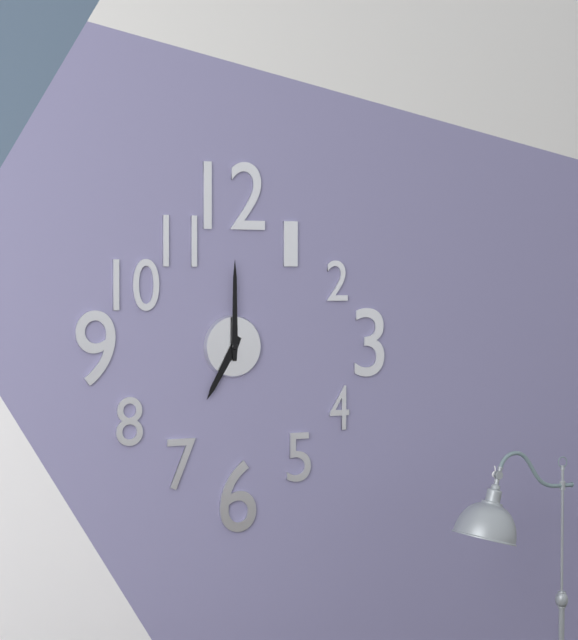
7:00
